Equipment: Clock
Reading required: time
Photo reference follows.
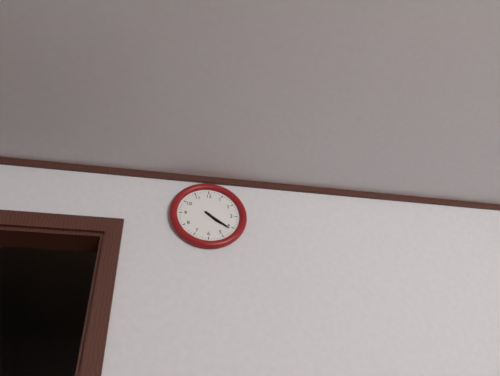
4:21
